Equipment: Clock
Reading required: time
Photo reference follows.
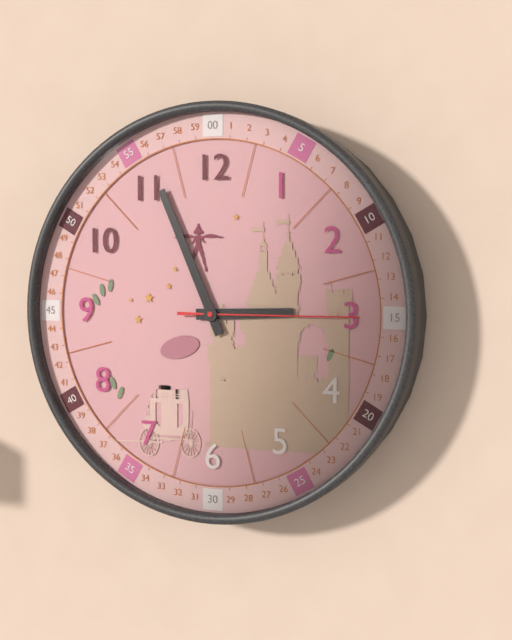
2:56:15
